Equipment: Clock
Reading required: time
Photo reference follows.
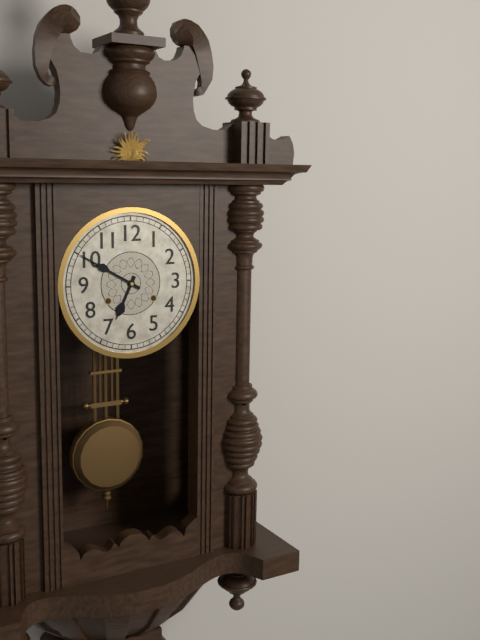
6:50
